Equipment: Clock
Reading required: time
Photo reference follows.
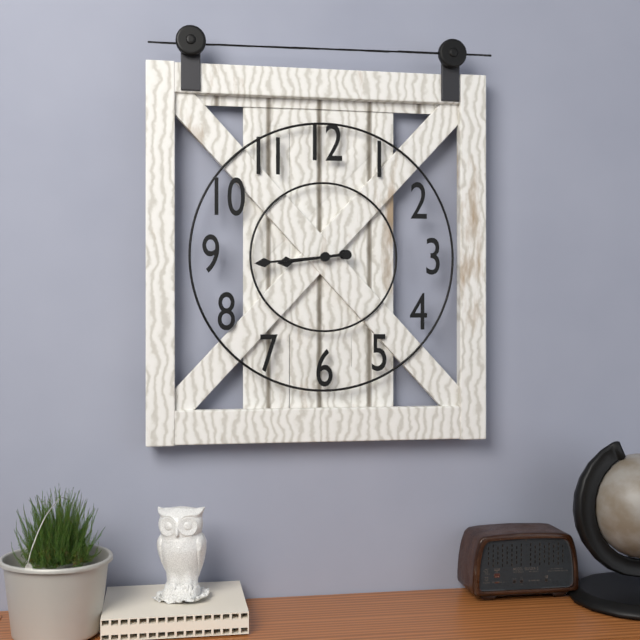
8:44
